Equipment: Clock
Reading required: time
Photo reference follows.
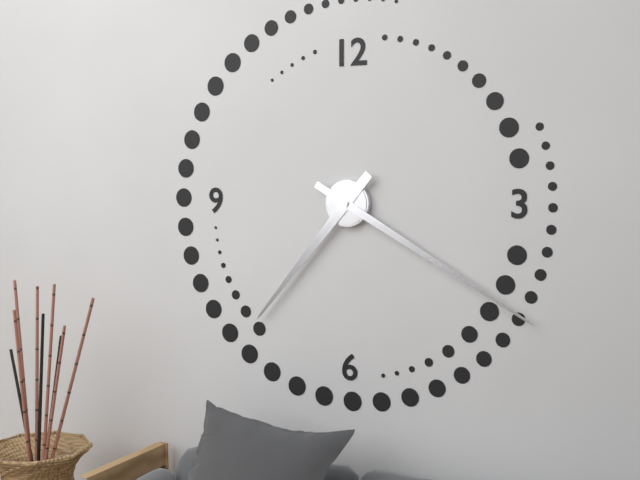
7:20
